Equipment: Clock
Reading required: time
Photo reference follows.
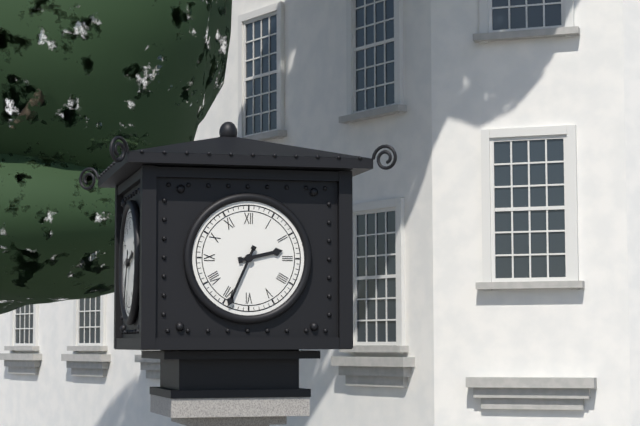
2:34
